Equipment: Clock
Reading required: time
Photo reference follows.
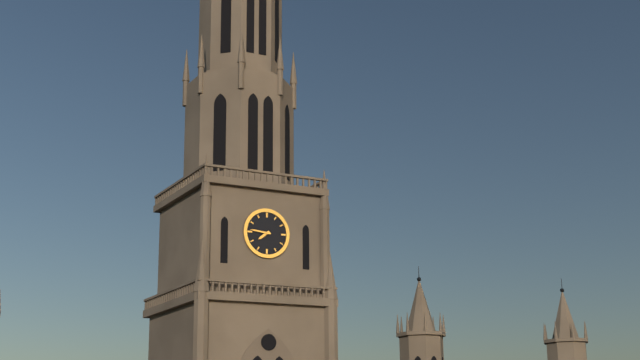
7:46
